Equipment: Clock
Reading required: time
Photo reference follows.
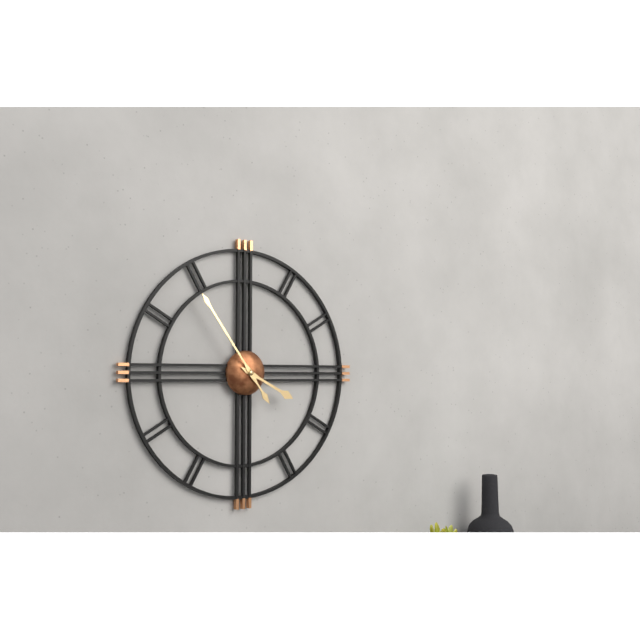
3:54
